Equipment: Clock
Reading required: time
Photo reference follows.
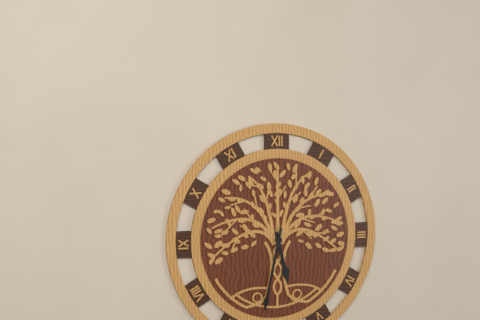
5:32
